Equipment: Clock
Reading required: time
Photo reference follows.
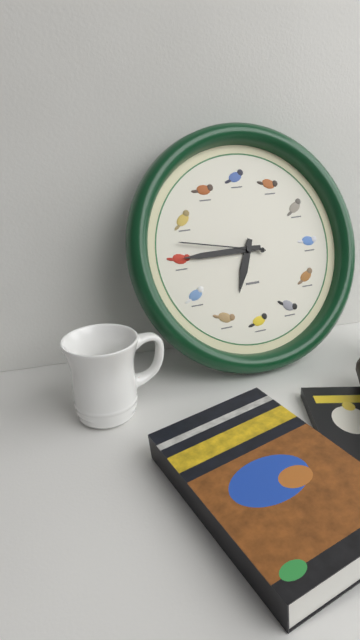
6:45:47
